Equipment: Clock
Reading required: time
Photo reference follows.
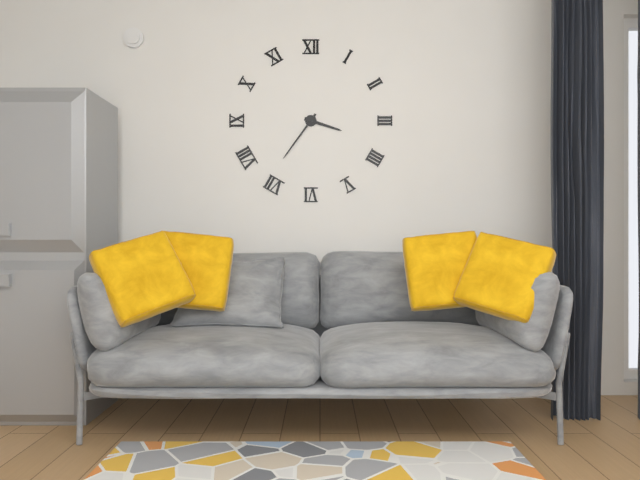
3:36
